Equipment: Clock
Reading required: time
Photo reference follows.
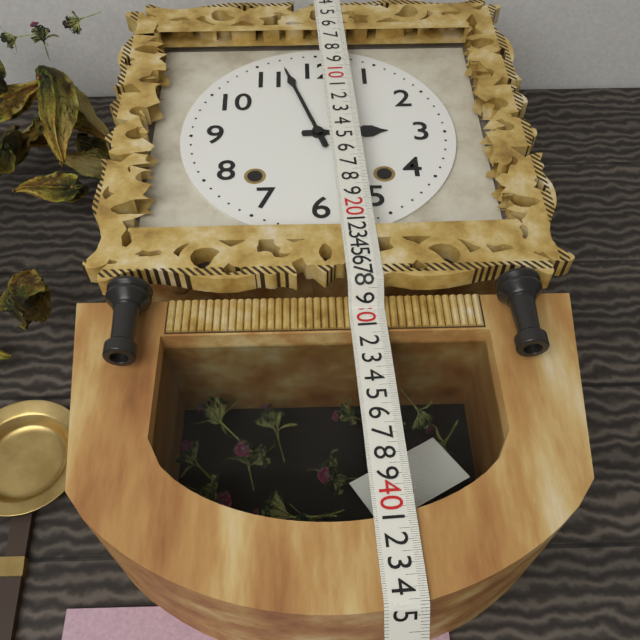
2:57
